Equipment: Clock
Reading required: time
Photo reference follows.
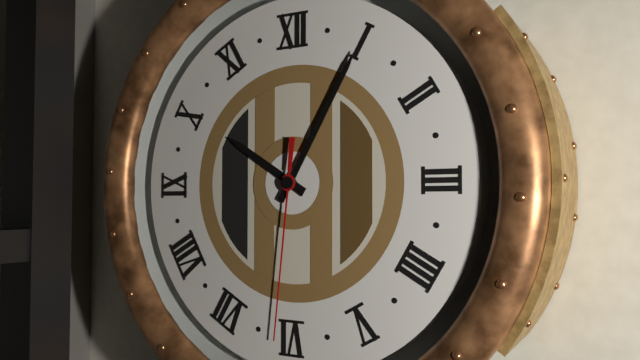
10:05:31
